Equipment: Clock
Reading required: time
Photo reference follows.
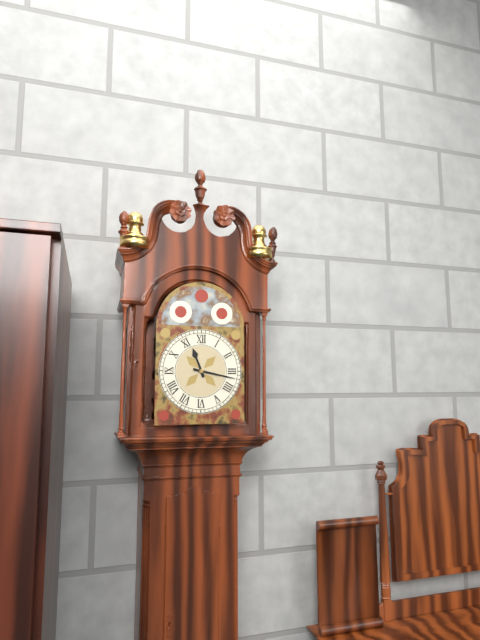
11:17
